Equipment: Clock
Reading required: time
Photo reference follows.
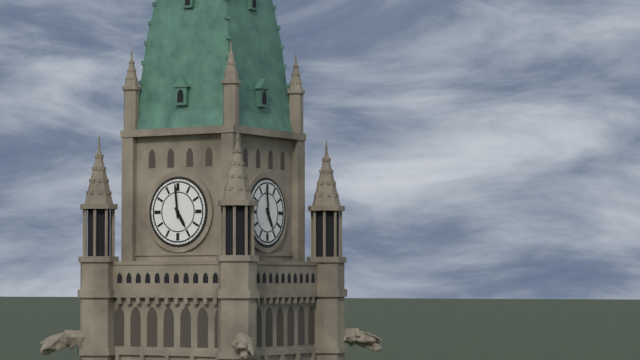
4:59
